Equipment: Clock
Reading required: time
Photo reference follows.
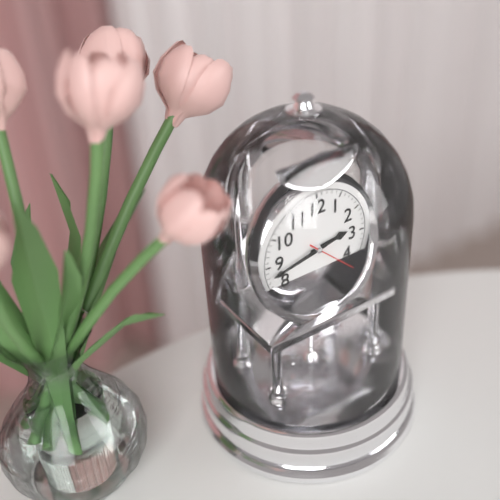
2:43:22
